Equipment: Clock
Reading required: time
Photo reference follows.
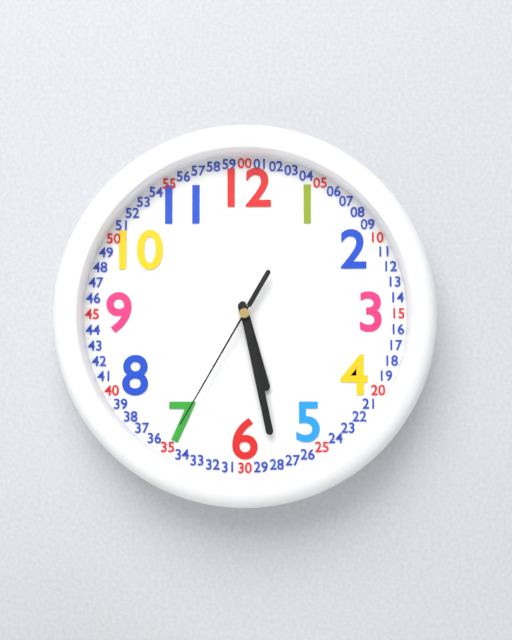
5:28:35
